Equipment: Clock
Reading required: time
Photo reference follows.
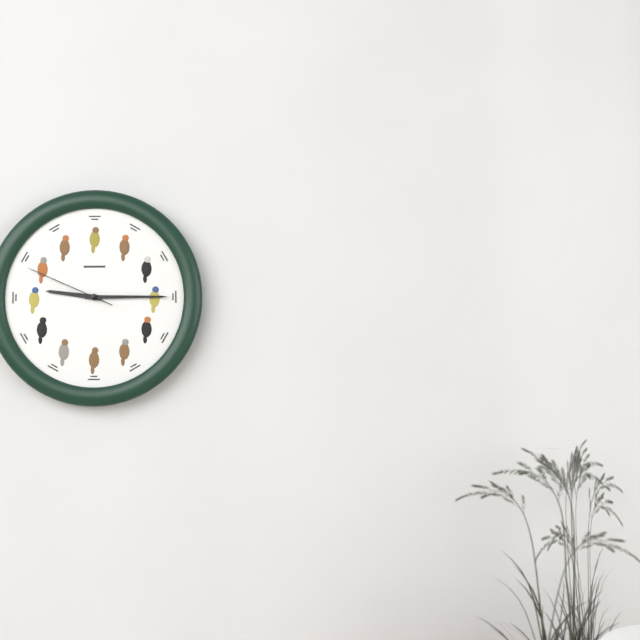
9:15:49
